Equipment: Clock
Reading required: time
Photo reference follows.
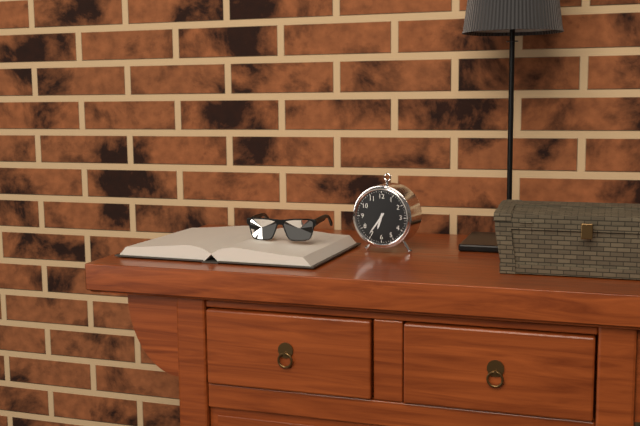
6:36
